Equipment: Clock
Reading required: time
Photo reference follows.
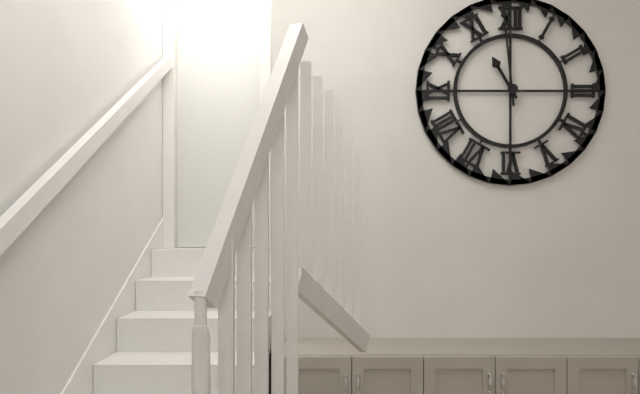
10:59
